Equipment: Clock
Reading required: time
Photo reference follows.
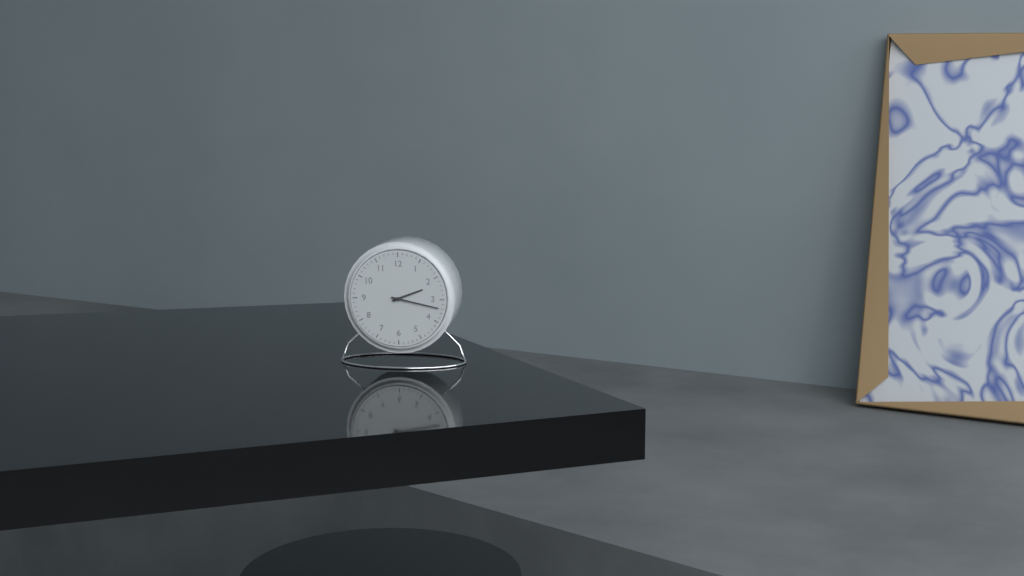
2:17
